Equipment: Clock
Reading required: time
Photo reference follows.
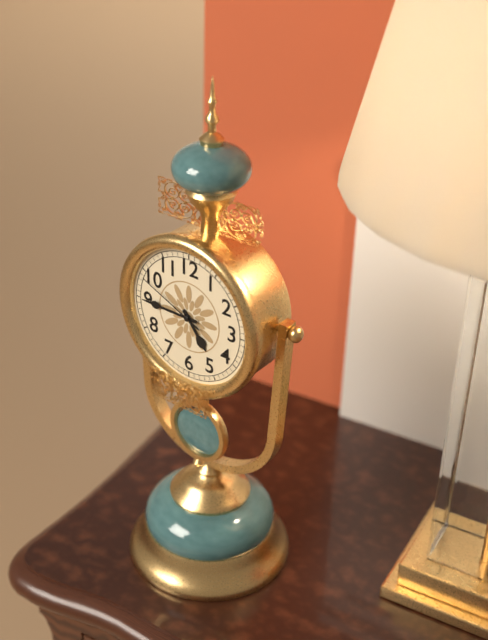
4:45:49
